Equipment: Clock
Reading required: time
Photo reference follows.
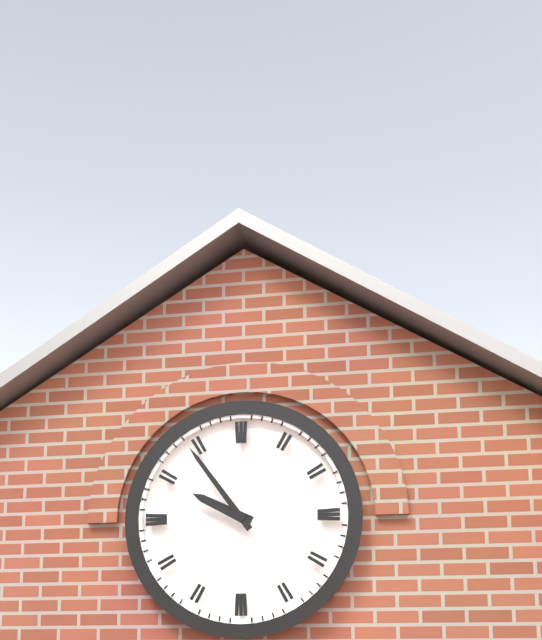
9:54
